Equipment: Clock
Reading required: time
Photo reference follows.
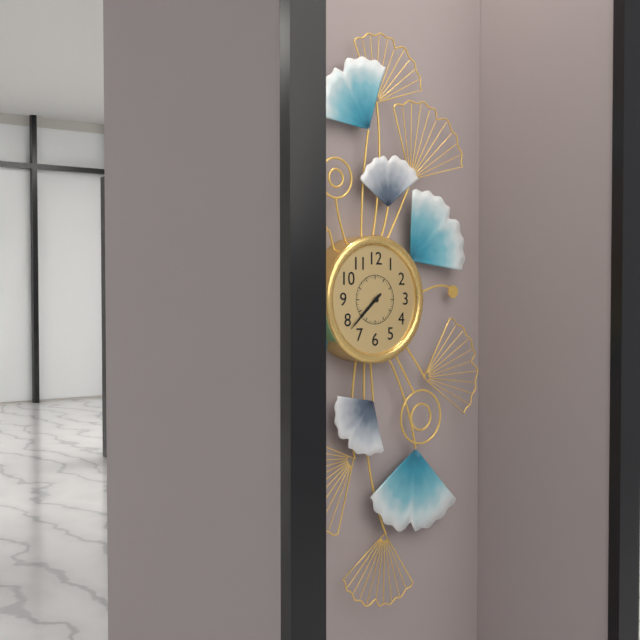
7:38
